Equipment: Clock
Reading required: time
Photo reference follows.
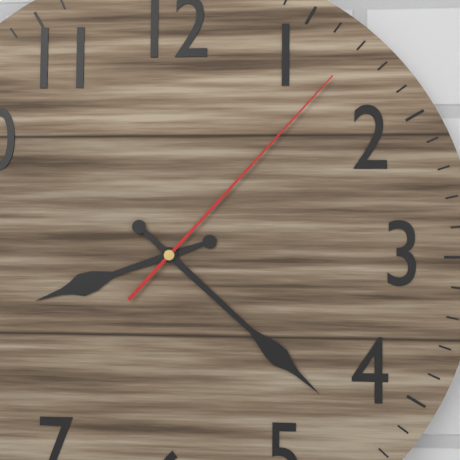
8:22:07
